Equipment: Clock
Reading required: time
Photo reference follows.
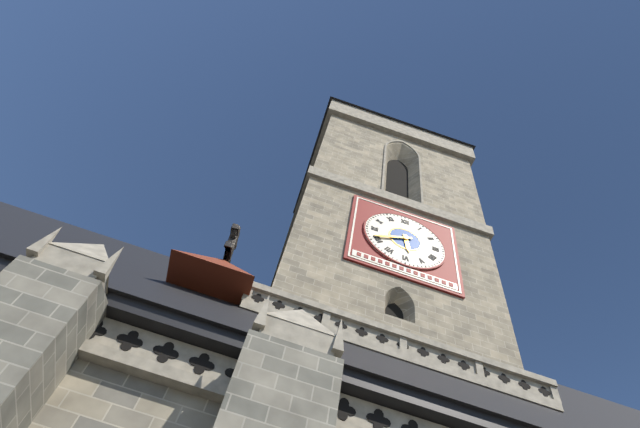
5:41
